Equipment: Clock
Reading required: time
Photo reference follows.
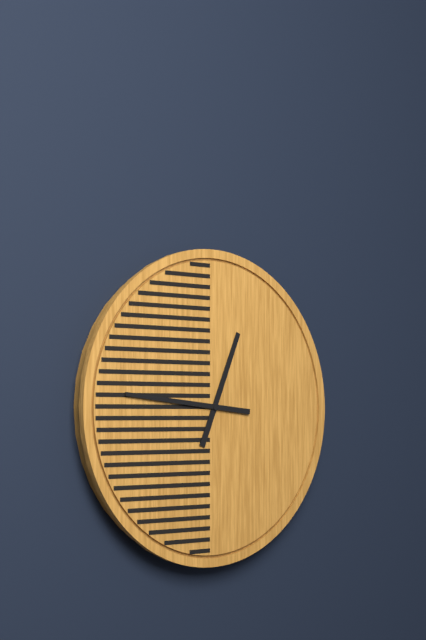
12:46
